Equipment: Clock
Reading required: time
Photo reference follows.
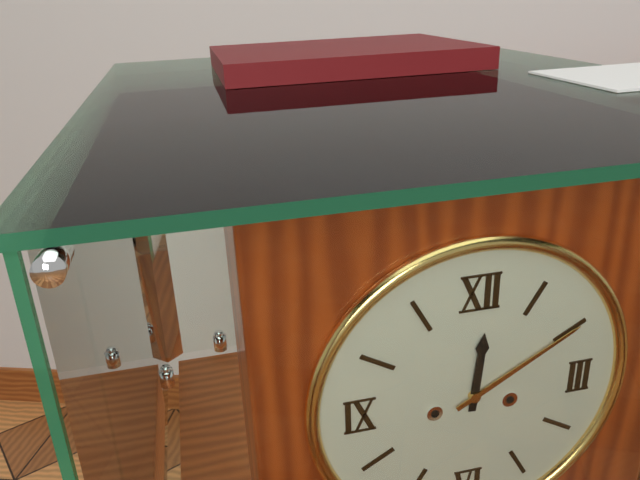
12:10
